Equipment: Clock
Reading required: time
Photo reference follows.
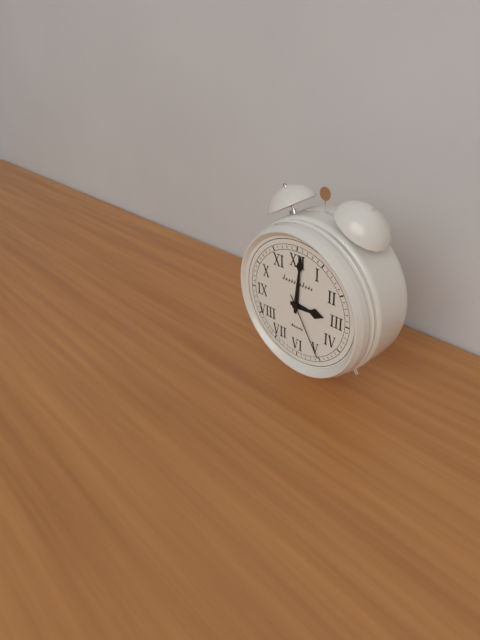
3:01:25
